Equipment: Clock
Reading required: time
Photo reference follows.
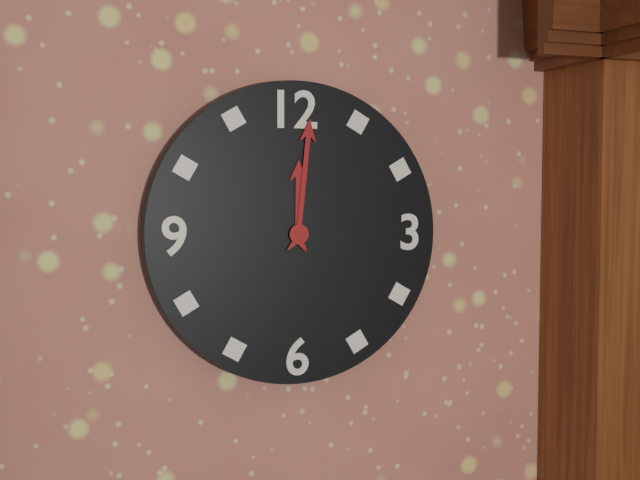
12:01
